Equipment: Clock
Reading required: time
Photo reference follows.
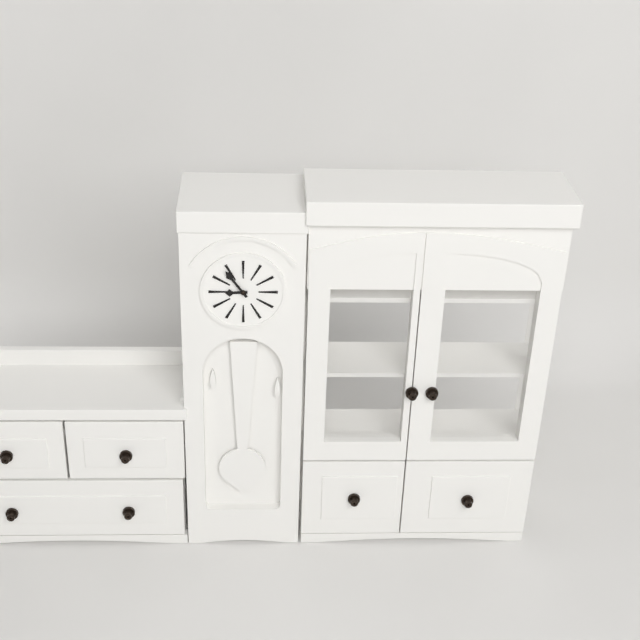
8:54
